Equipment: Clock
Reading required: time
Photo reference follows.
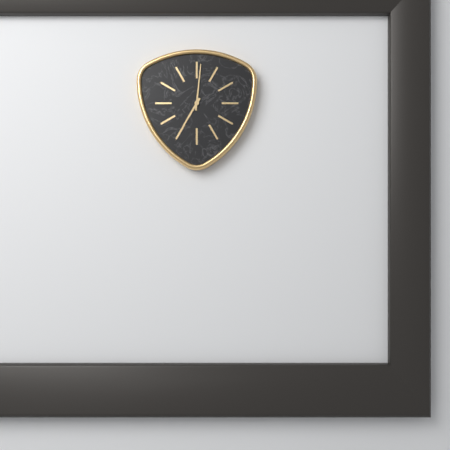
7:01
